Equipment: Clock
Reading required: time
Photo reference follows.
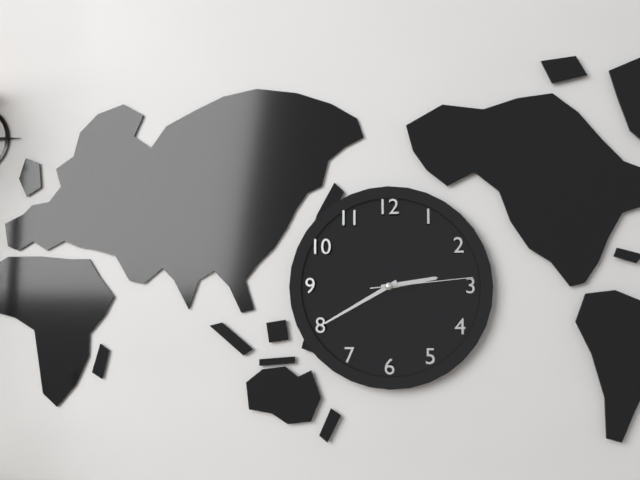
2:40:14
